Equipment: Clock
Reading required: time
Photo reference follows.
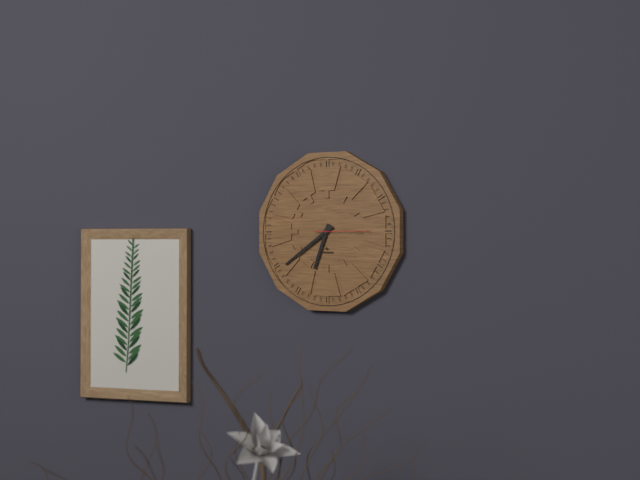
6:39:15
